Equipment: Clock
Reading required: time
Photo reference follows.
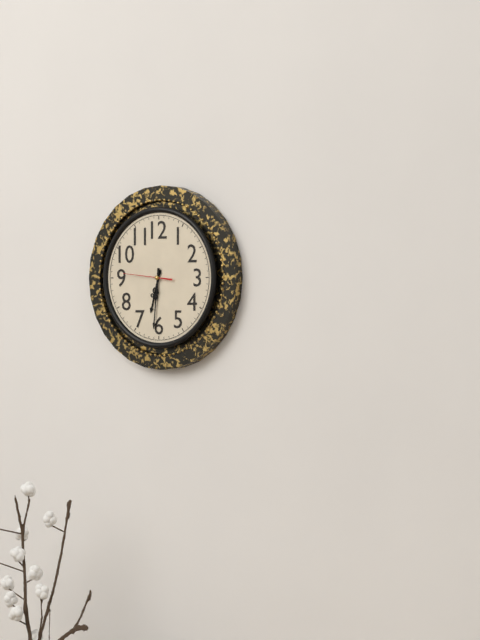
6:31
